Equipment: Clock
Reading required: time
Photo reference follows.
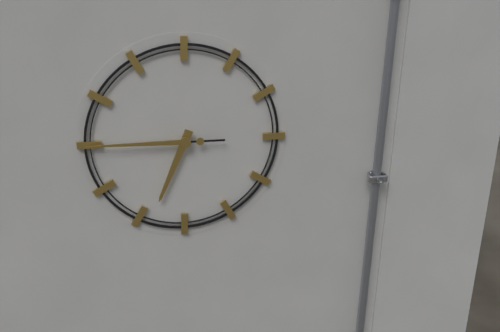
6:45
